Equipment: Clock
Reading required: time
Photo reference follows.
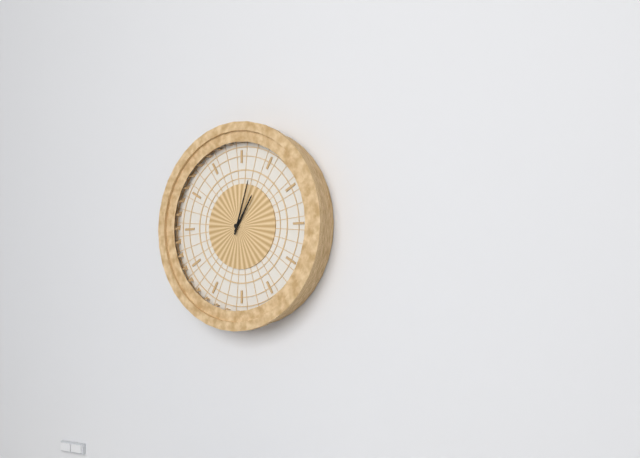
1:03
